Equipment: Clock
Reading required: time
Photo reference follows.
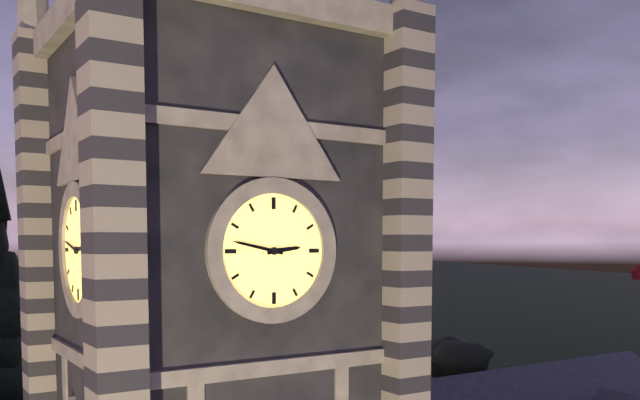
2:47
